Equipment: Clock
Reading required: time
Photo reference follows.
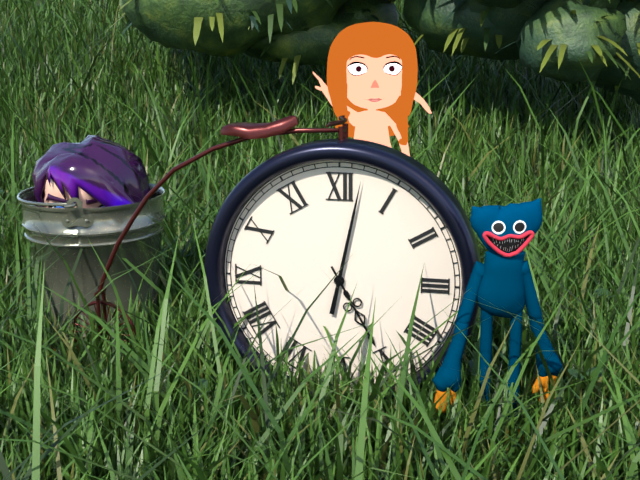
5:02
